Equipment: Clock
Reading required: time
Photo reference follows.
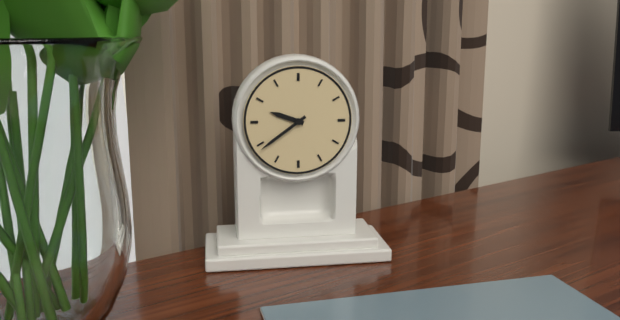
9:39
